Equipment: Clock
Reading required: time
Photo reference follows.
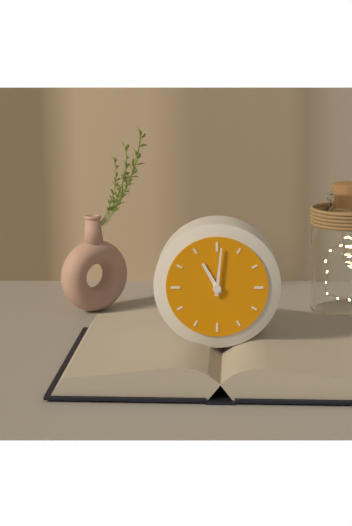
11:01
